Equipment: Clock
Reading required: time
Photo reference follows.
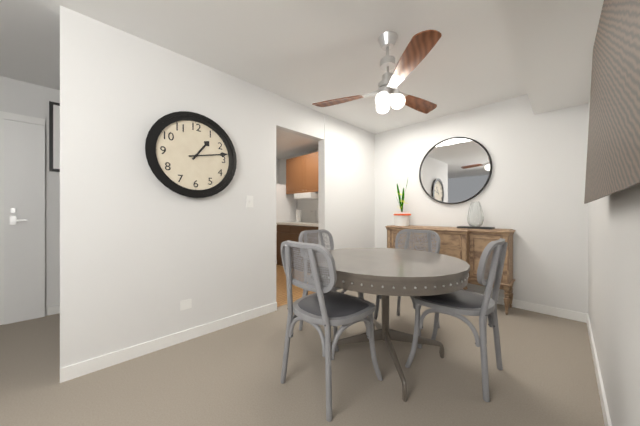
1:13
